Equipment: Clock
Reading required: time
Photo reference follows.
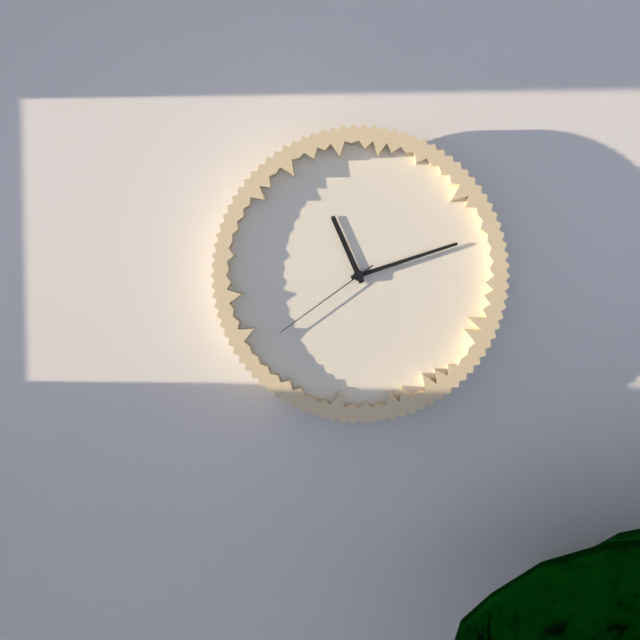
11:12:39
